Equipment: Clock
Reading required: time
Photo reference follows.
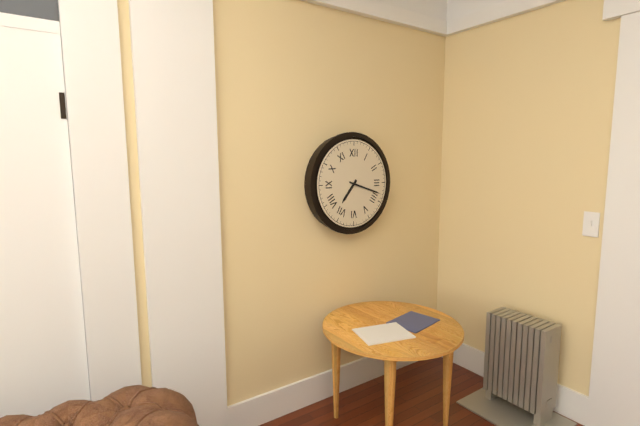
7:18
